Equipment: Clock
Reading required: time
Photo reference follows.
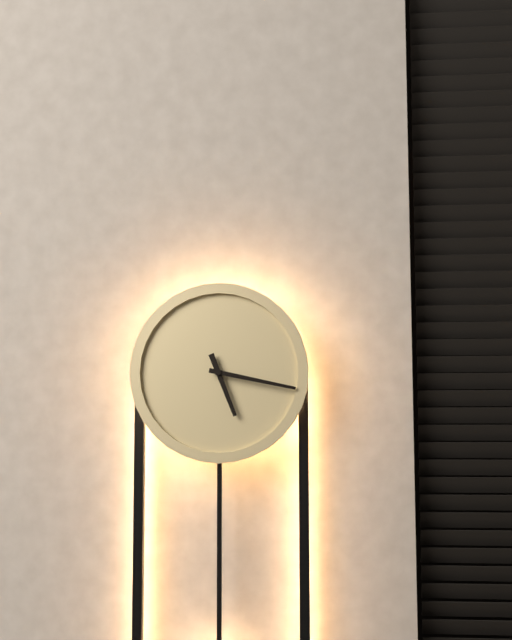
5:17
